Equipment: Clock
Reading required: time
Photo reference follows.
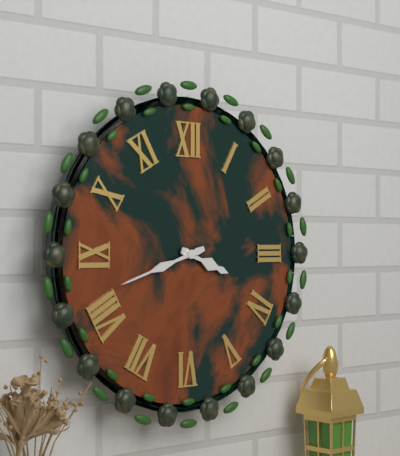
3:42
